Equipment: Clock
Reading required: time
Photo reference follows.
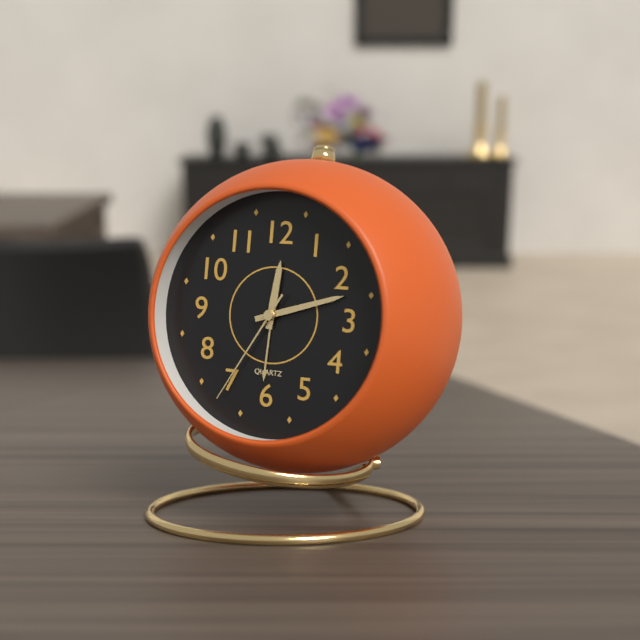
12:12:35
